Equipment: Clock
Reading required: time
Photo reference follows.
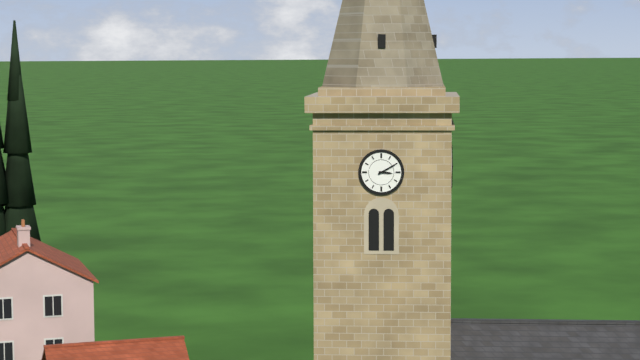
3:10
